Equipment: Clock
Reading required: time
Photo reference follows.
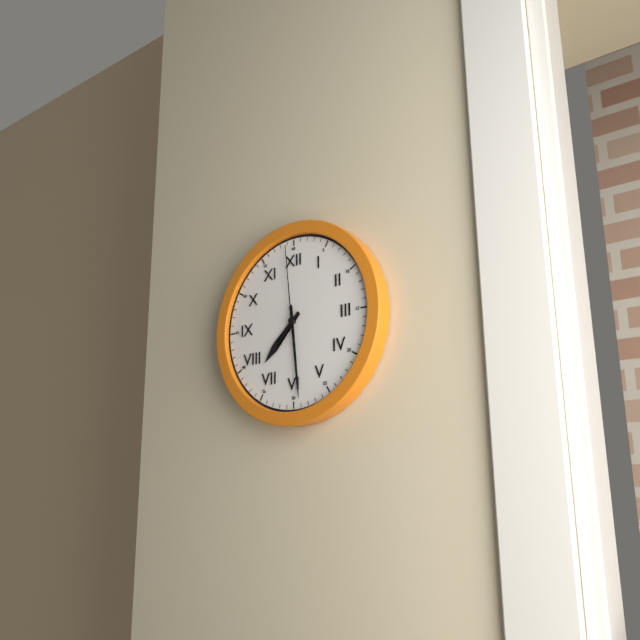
7:29:59
